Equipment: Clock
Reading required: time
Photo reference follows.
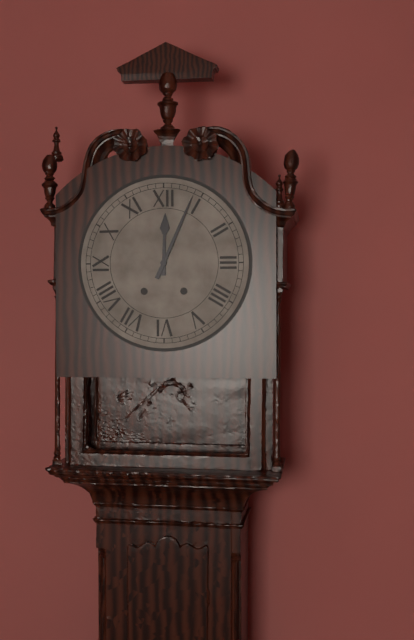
12:04
